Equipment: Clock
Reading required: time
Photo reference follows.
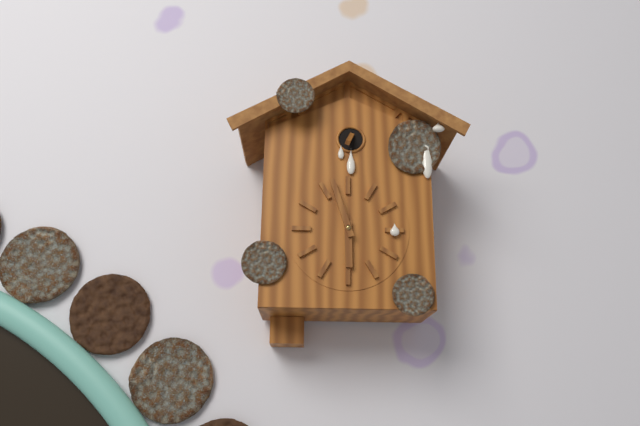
5:57
